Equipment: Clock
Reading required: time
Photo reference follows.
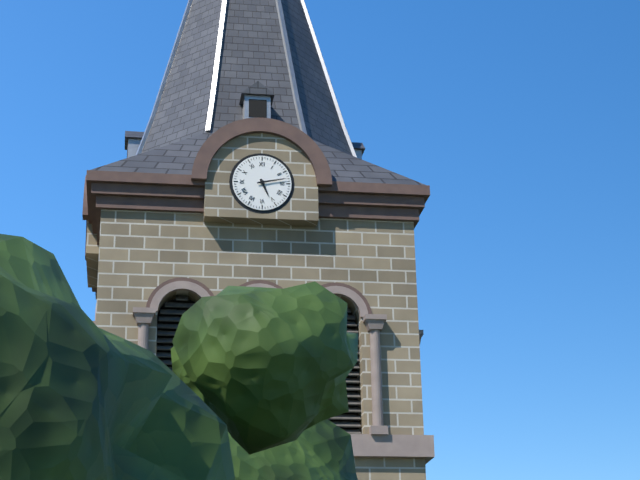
5:13
